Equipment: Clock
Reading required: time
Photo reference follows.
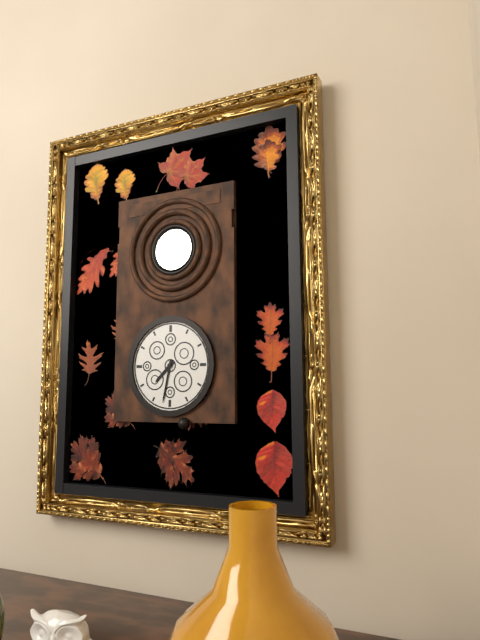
7:32
